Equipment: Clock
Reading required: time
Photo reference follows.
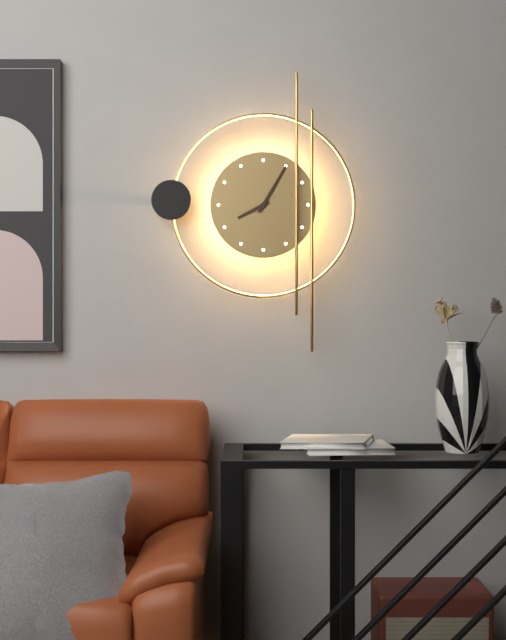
8:05
